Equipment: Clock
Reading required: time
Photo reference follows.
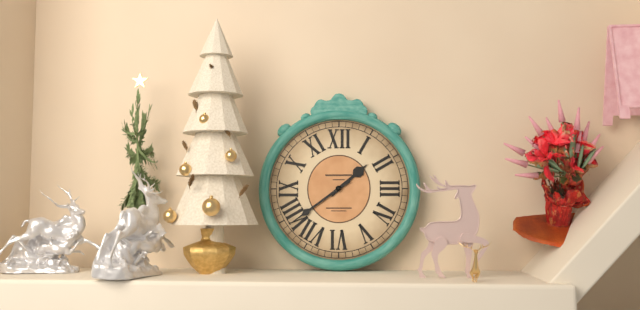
1:39
